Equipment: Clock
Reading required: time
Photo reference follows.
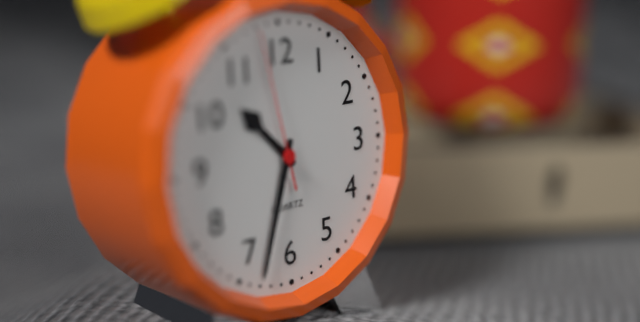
10:33:58
